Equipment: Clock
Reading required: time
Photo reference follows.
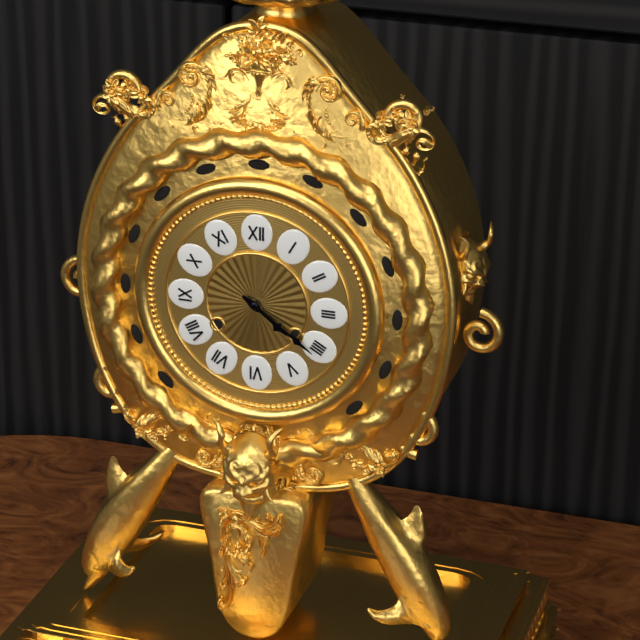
4:21
